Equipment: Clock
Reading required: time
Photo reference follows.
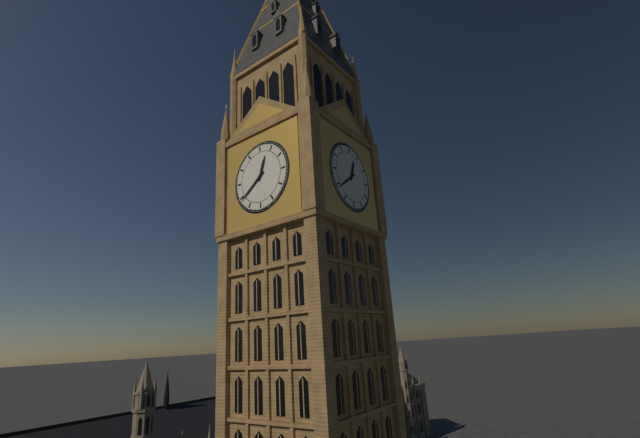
12:39
